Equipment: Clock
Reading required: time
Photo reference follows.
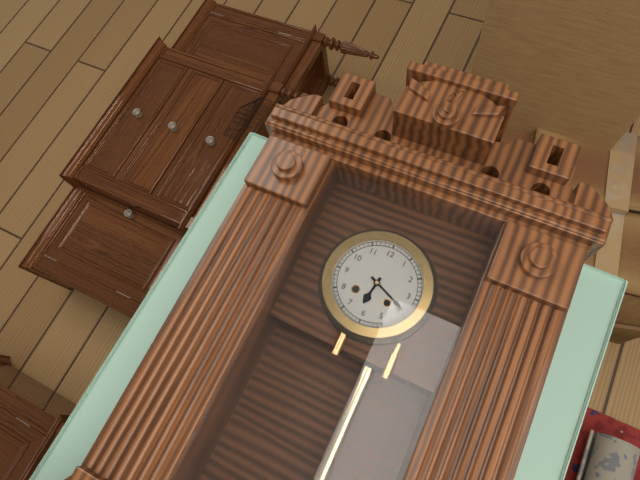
6:19
